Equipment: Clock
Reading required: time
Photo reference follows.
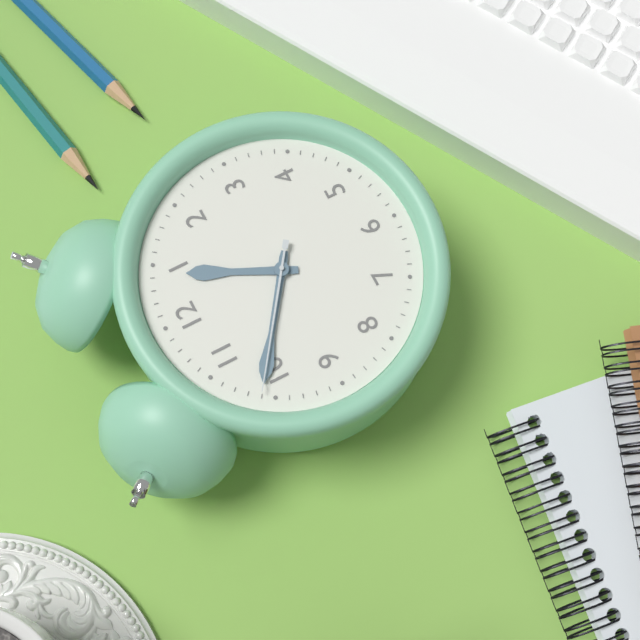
12:51:51
